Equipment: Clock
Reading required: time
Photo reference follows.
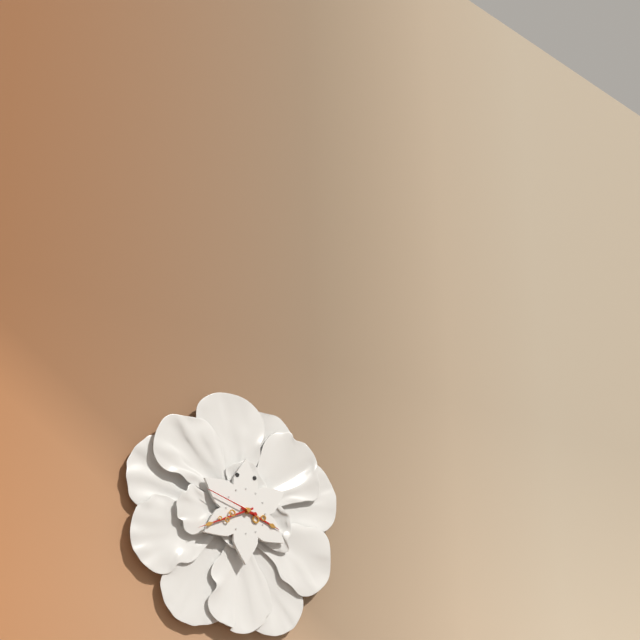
3:41:48
